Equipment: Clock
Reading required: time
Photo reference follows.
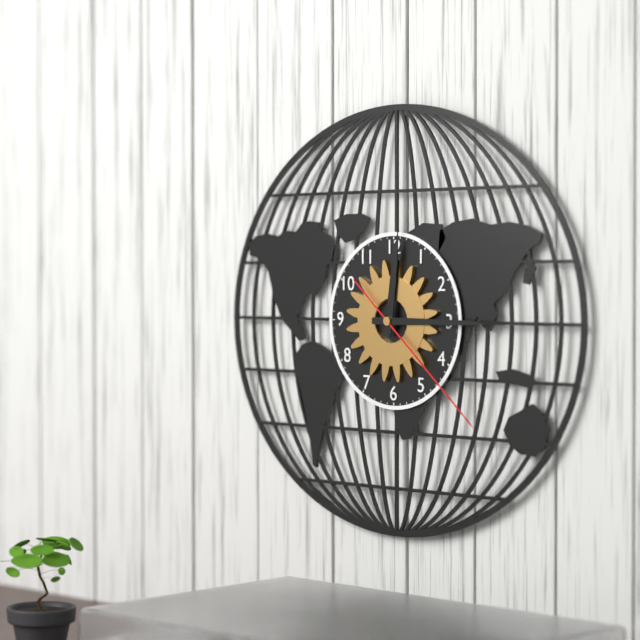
12:15:22
